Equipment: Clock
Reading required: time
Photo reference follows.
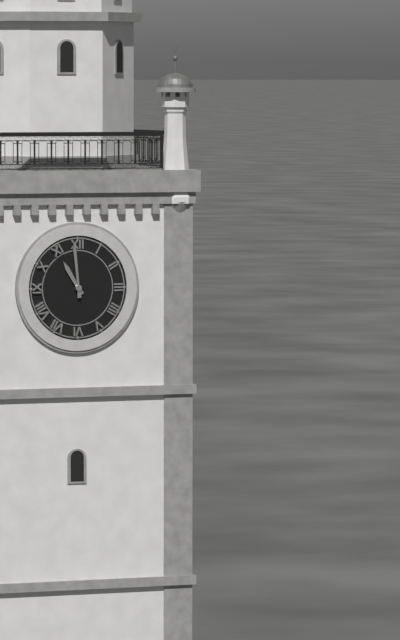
10:59
